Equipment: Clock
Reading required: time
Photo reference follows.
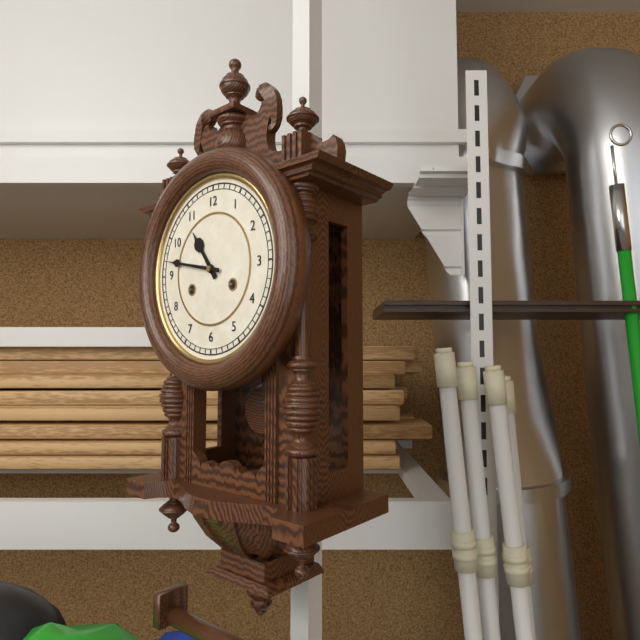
10:47
